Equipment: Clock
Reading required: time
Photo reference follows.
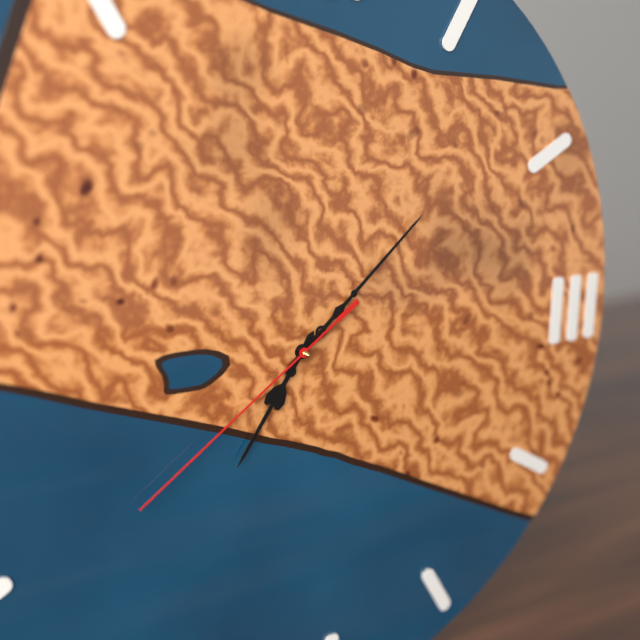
7:08:39
